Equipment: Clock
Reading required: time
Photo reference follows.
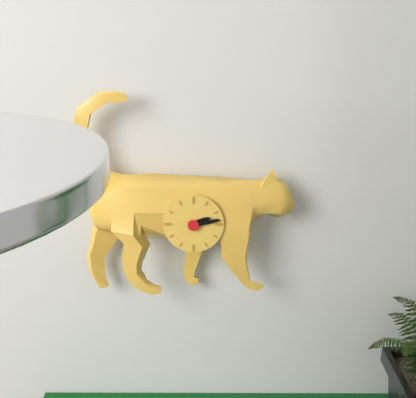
2:13
